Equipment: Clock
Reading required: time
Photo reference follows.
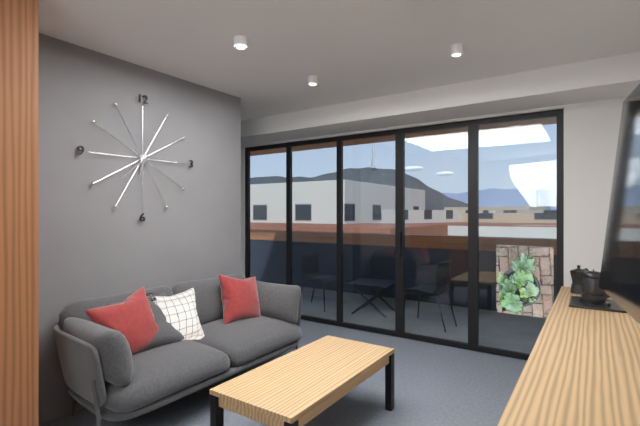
6:38
